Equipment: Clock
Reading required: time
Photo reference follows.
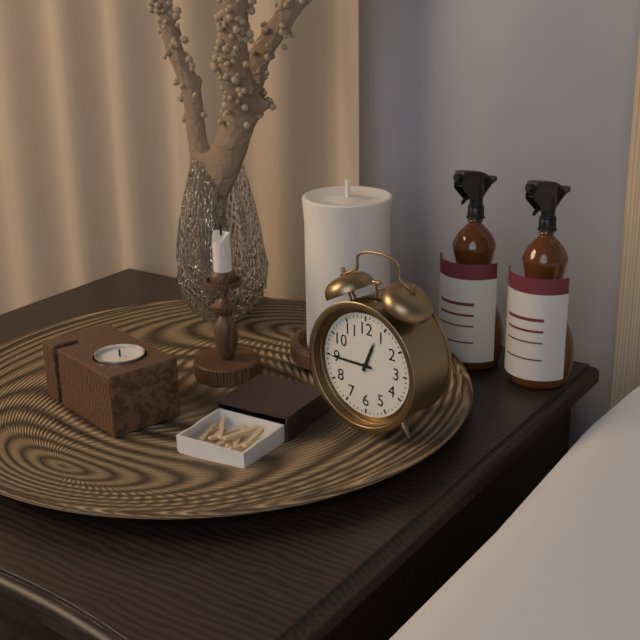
12:45
